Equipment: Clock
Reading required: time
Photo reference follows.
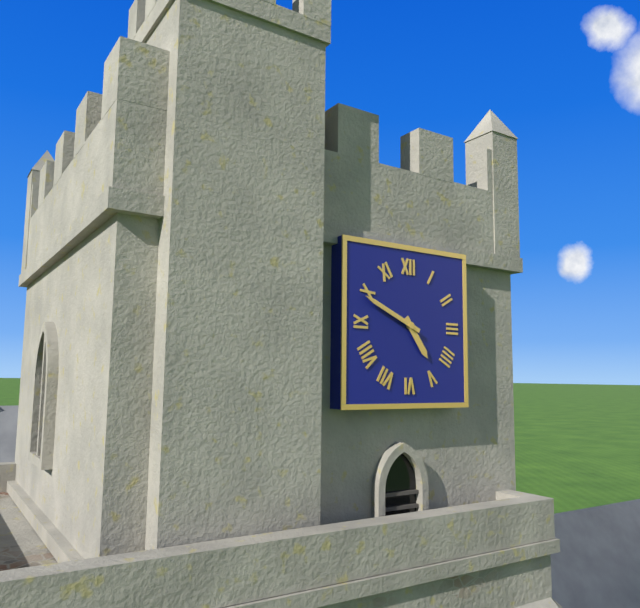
4:49
